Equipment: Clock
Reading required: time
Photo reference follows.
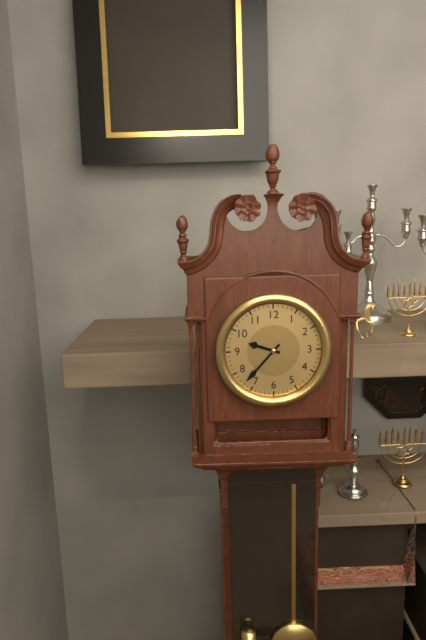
9:37
